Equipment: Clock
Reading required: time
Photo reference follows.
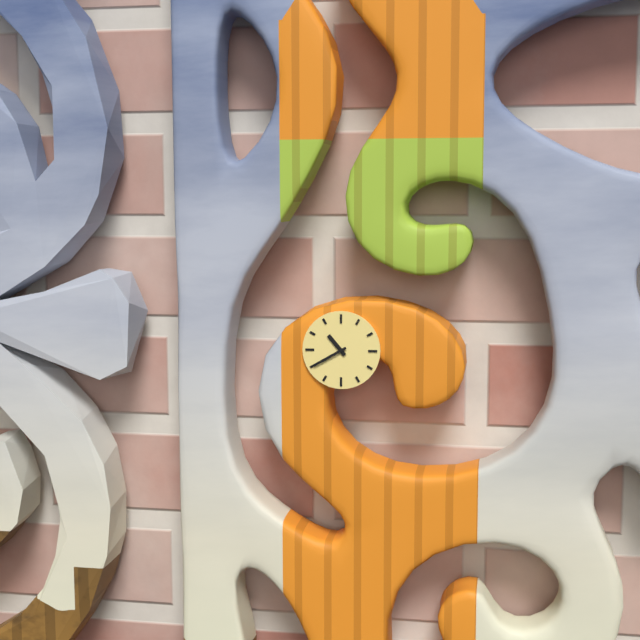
10:40
